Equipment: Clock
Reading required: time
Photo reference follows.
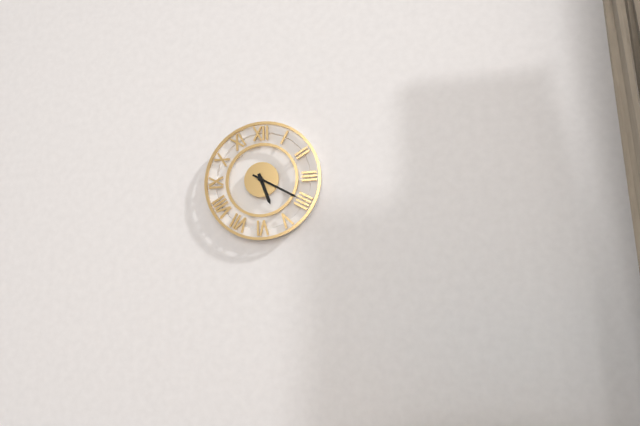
5:20
